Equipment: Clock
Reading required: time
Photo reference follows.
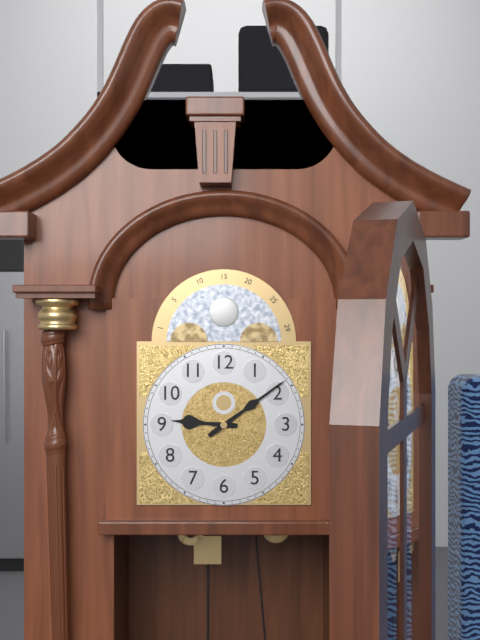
9:09
